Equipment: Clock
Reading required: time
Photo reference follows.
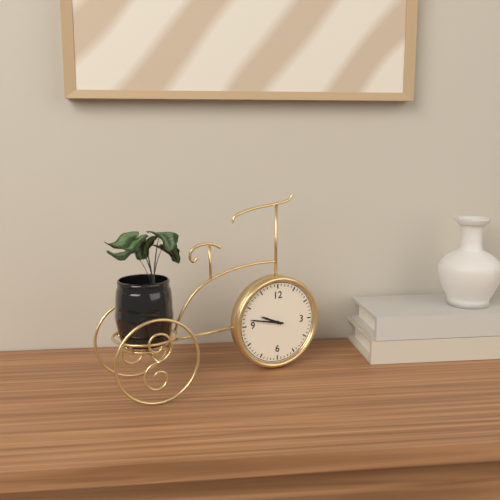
9:47
